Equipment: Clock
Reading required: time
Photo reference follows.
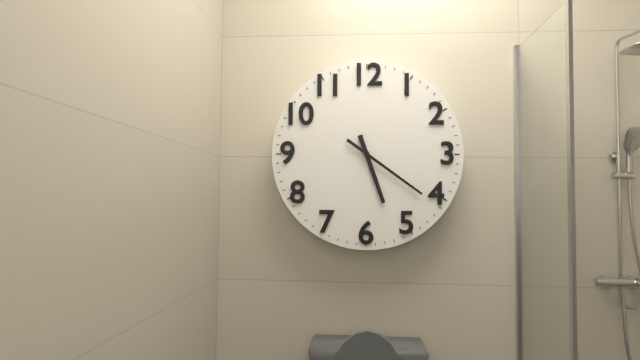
5:21
